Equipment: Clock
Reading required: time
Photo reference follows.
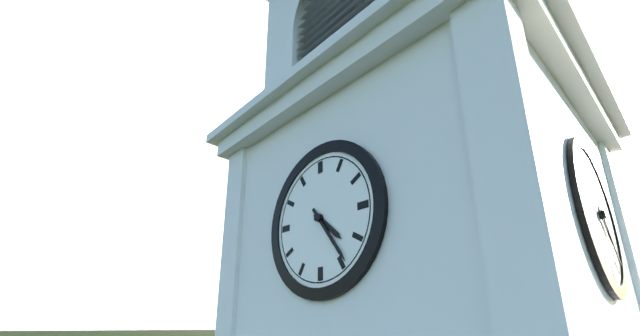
4:24
